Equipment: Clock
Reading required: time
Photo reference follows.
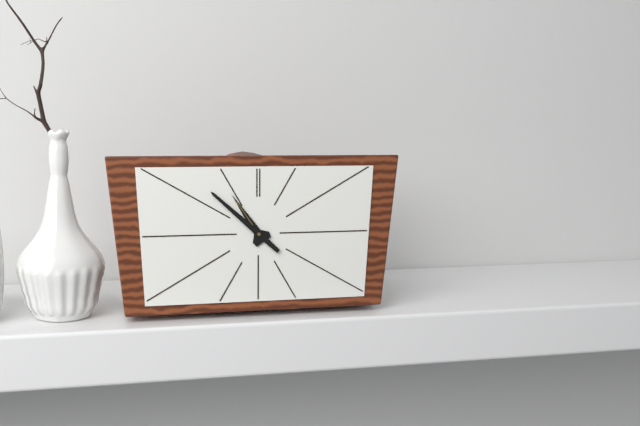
10:52
